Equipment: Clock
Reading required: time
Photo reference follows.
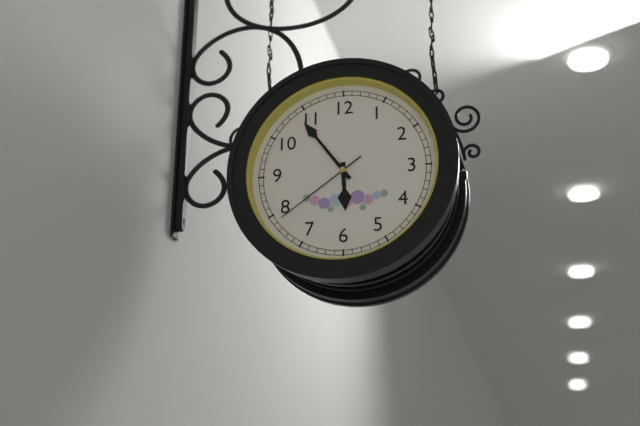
5:54:39
